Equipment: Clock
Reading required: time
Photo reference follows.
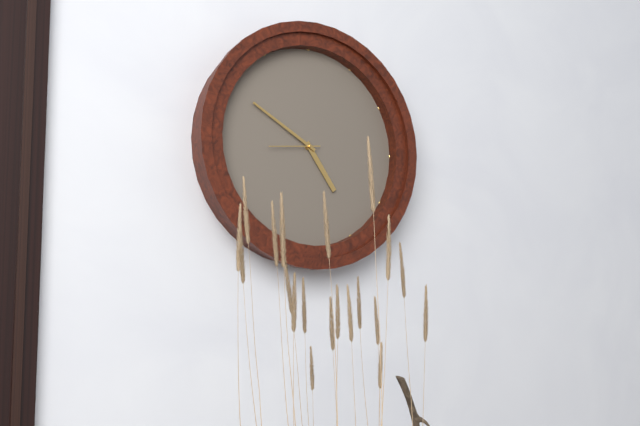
4:50
